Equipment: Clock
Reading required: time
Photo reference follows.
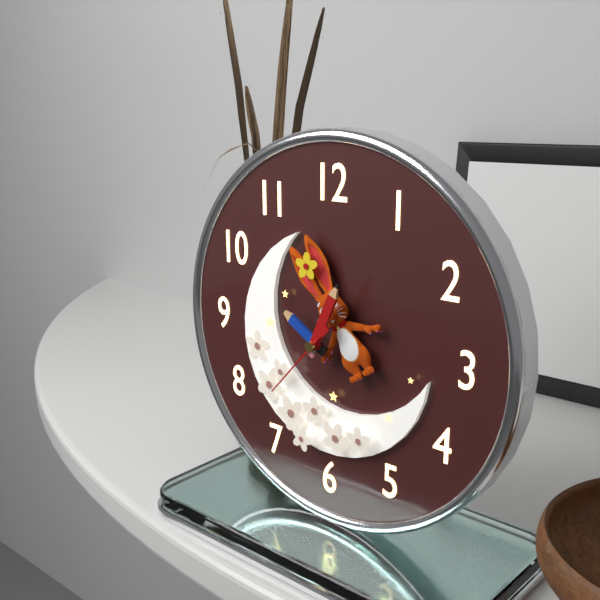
10:04:37
